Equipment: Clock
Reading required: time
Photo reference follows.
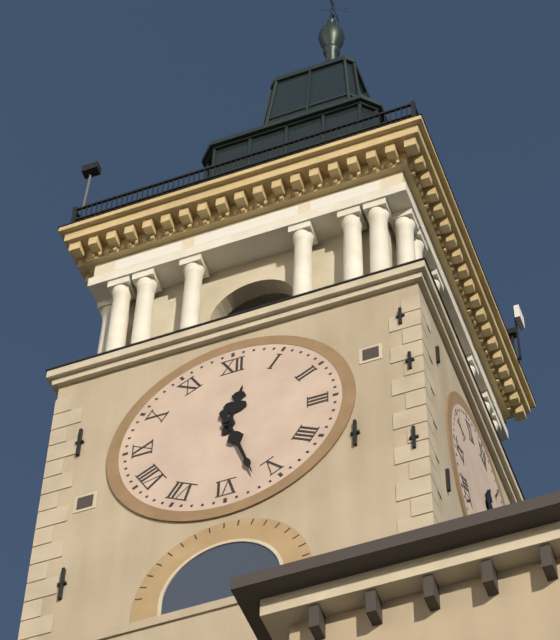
12:27
